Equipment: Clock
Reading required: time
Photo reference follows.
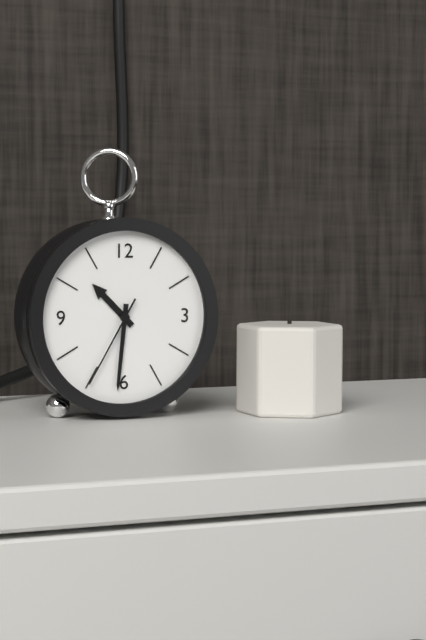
10:31:35
